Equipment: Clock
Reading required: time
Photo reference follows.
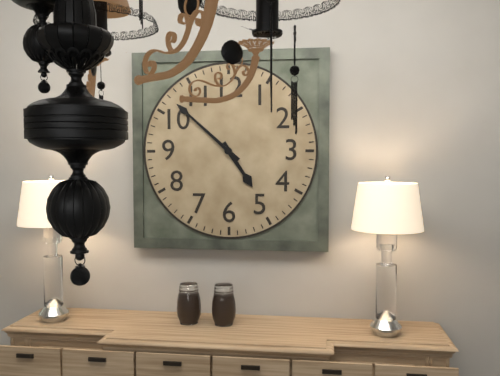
4:52
